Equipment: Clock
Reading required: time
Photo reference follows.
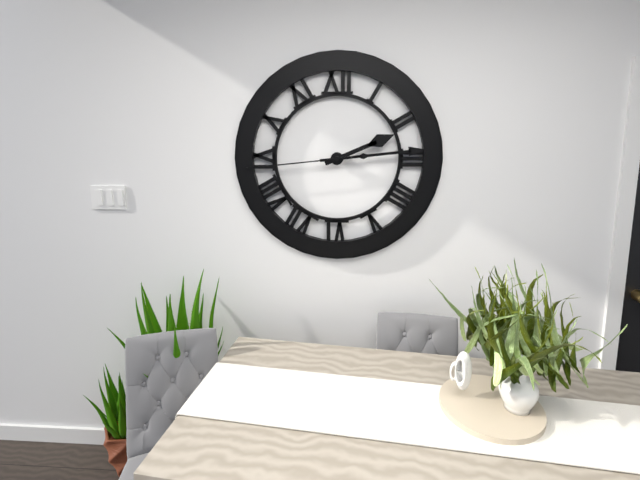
2:14:44
